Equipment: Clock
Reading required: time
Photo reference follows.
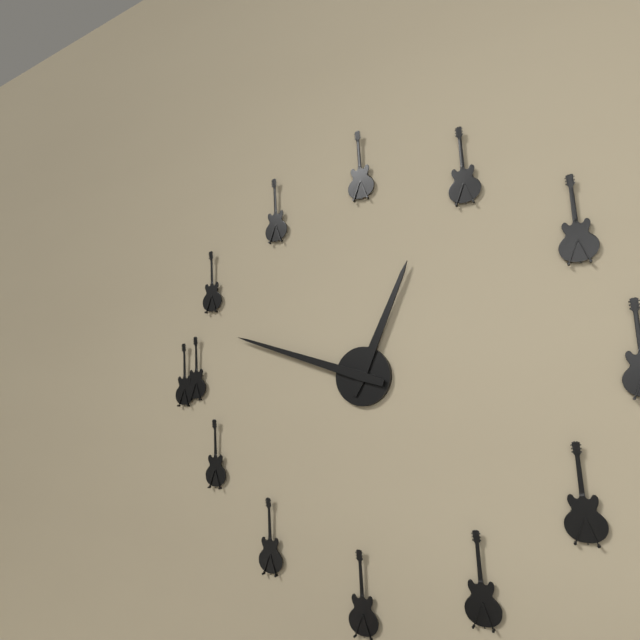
12:48
